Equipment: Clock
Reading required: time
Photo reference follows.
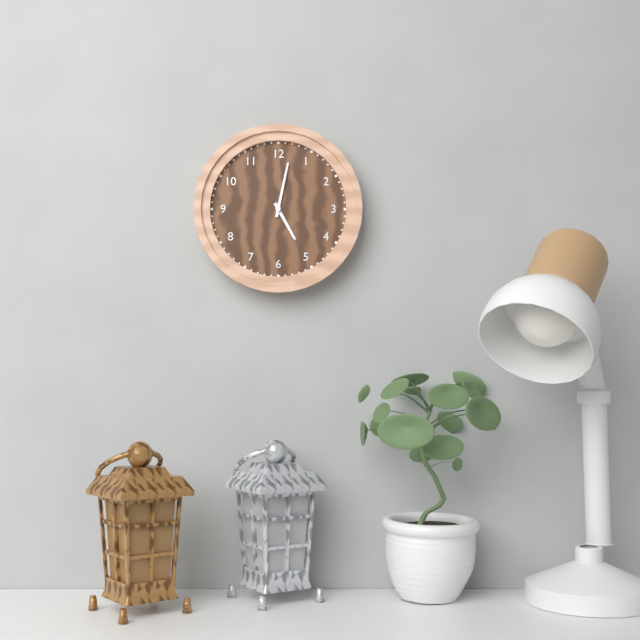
5:02
